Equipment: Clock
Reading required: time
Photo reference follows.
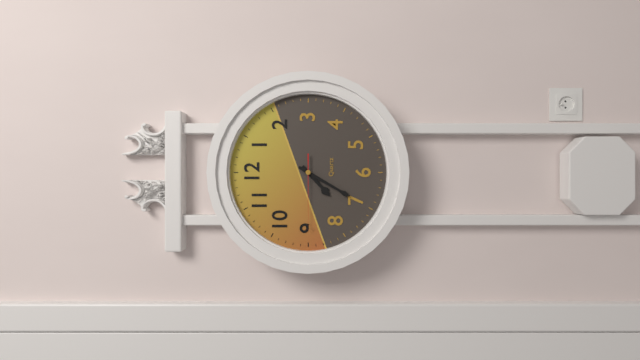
7:35:45
